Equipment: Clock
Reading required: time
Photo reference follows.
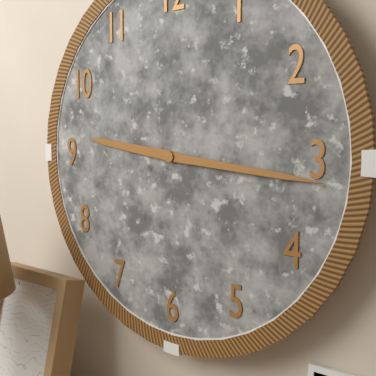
9:16
